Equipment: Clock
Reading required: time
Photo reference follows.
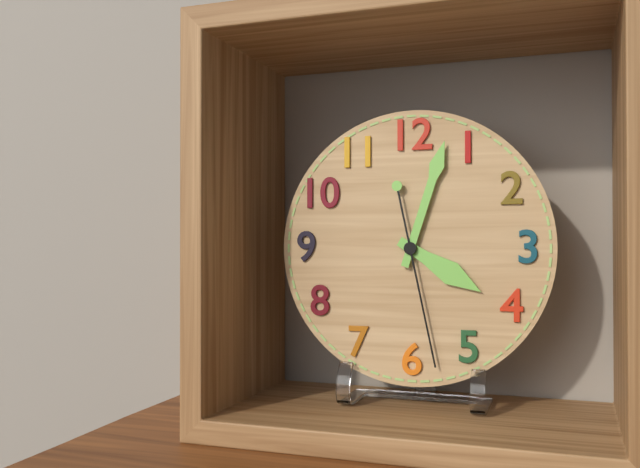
4:03:28
